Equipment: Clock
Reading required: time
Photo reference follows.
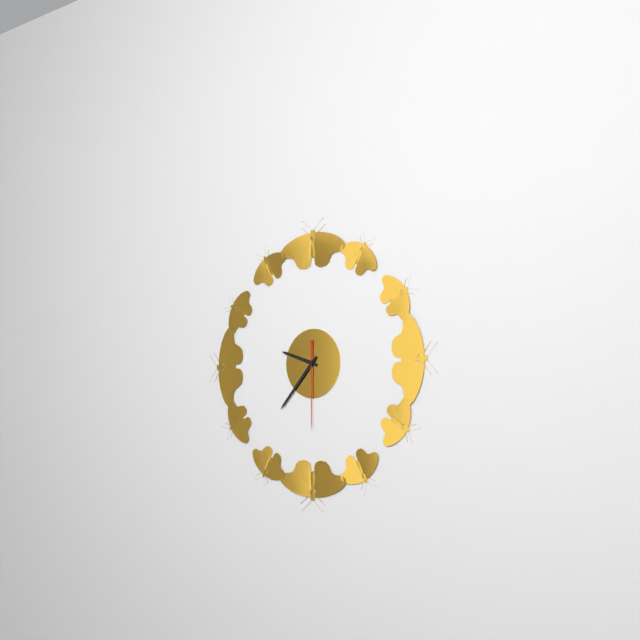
9:37:30
